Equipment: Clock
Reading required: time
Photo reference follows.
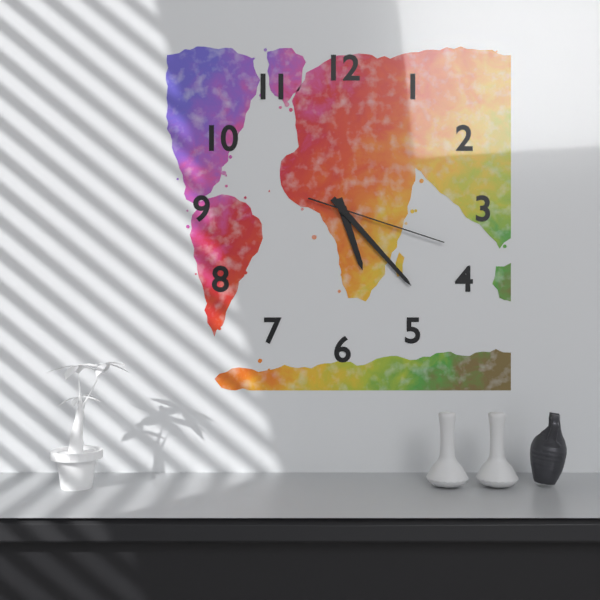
5:23:18
